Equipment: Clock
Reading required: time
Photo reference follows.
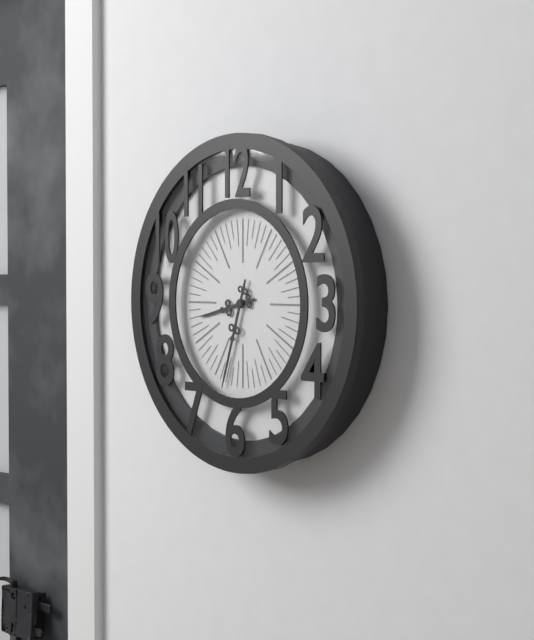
8:33
